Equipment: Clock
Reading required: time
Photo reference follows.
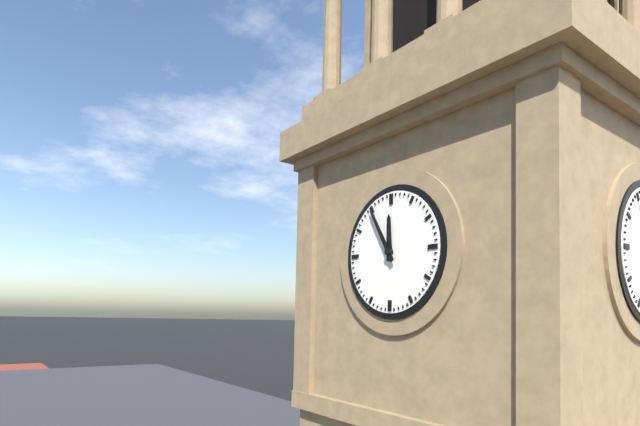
11:55
